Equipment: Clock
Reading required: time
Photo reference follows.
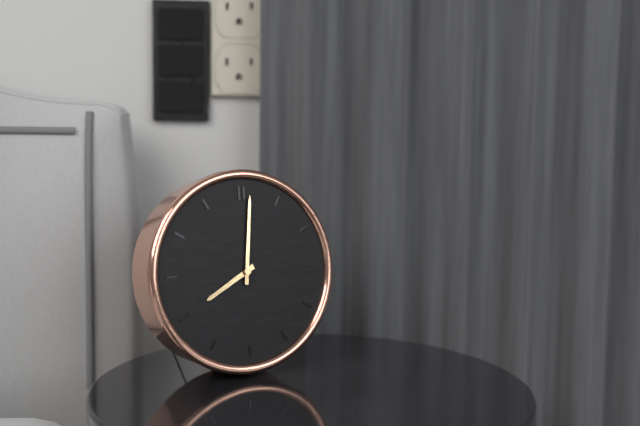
8:01
